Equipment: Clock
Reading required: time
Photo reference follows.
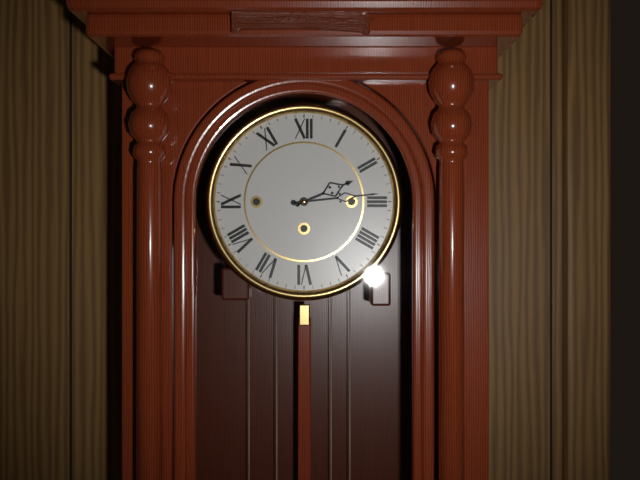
2:14
